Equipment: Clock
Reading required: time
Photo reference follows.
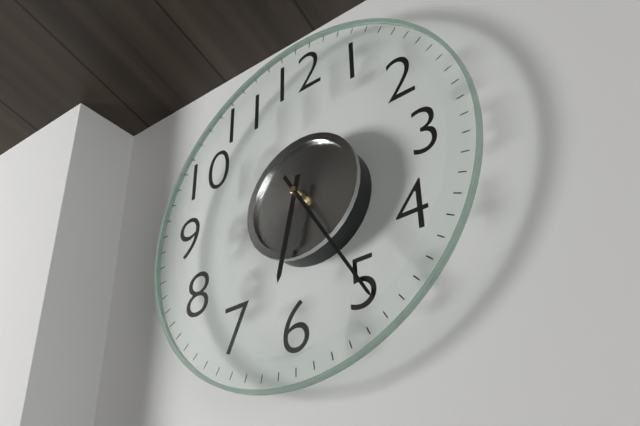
6:25
